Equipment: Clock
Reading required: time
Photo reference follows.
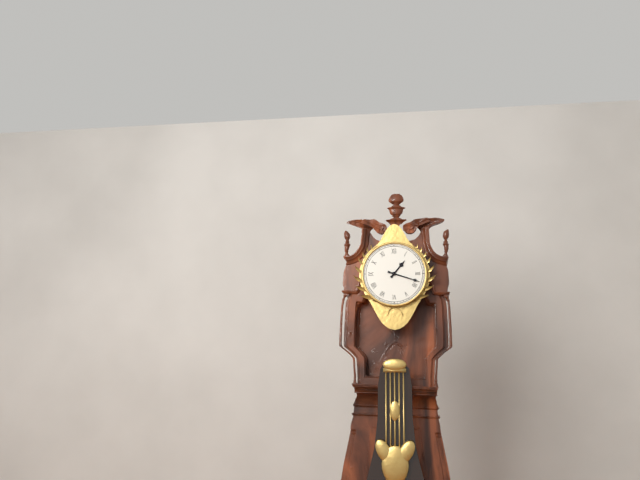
1:18
